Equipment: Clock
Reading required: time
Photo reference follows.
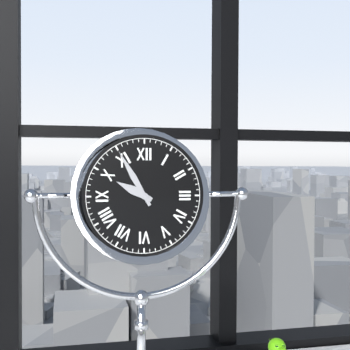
9:55
